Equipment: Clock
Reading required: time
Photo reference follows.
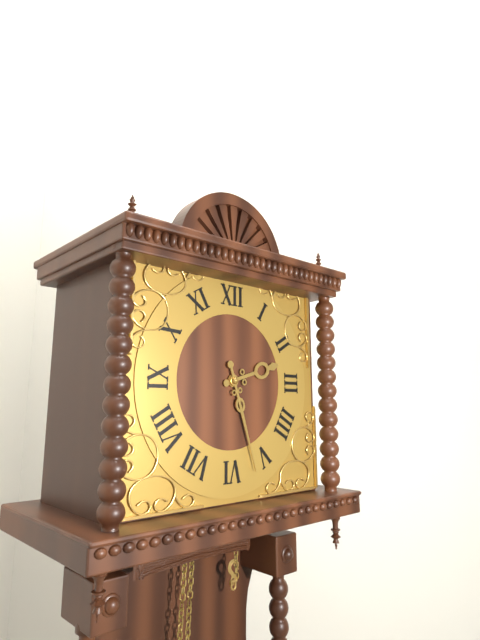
2:27
